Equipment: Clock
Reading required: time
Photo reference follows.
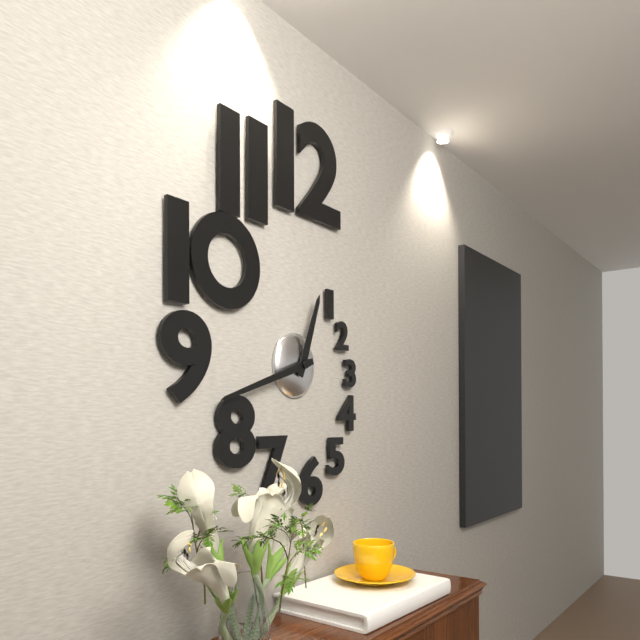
12:42
